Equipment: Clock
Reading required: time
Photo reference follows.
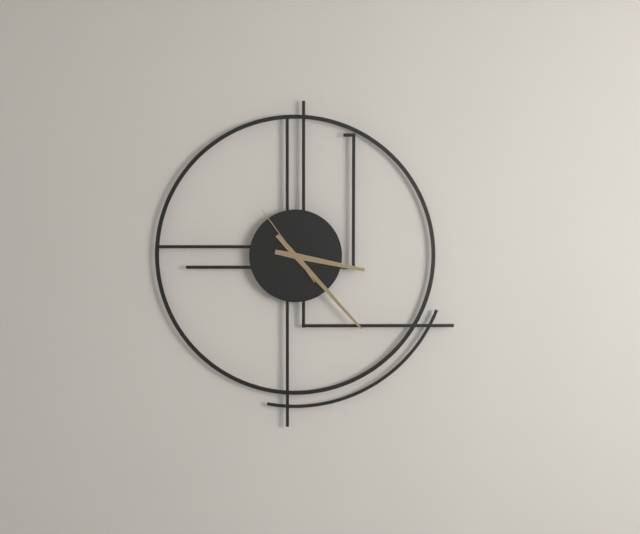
3:23:54
